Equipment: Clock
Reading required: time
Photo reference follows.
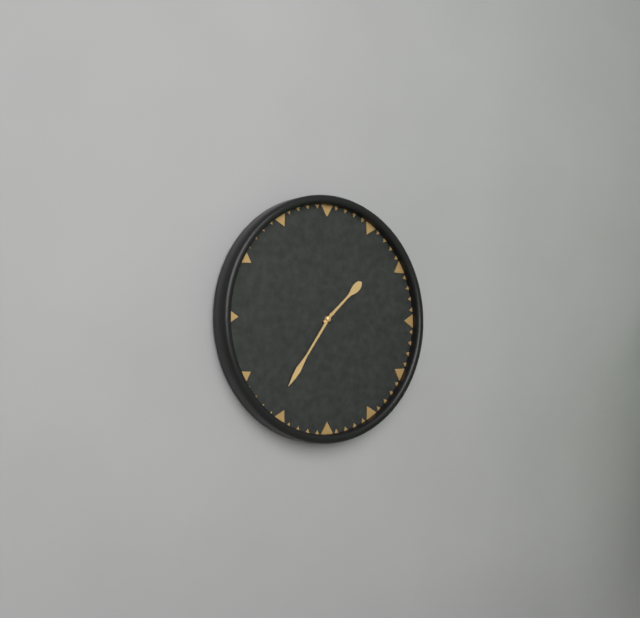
1:36
